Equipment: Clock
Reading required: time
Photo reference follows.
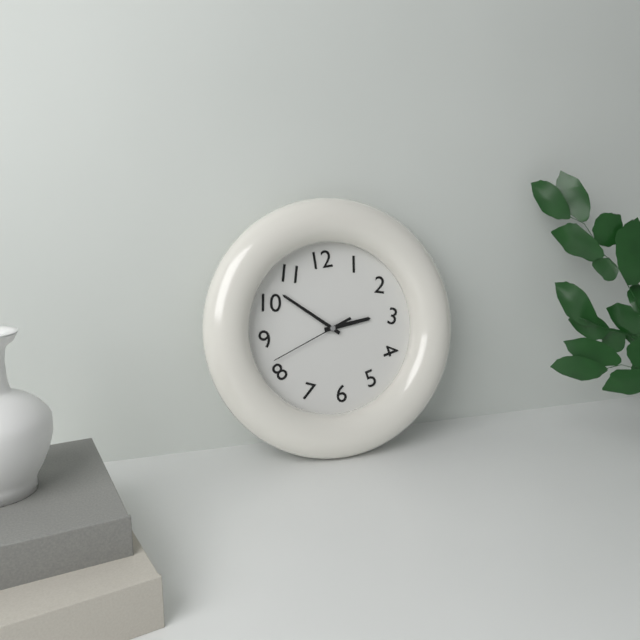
2:52:42
